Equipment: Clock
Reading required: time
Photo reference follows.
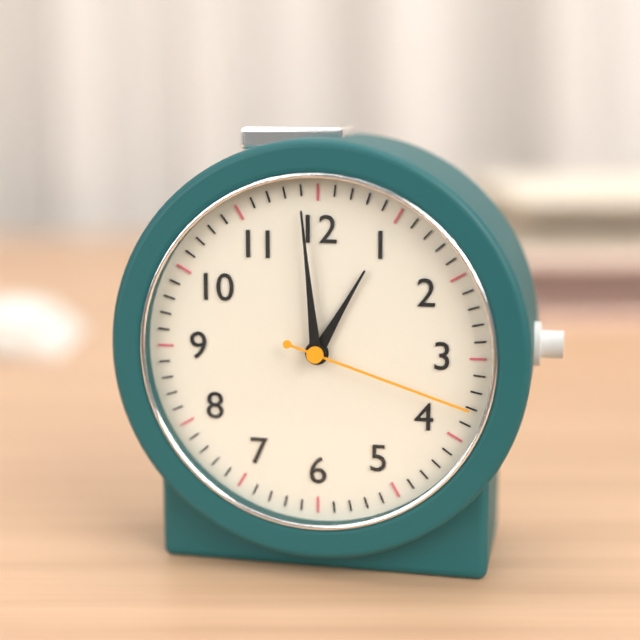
12:59:18
